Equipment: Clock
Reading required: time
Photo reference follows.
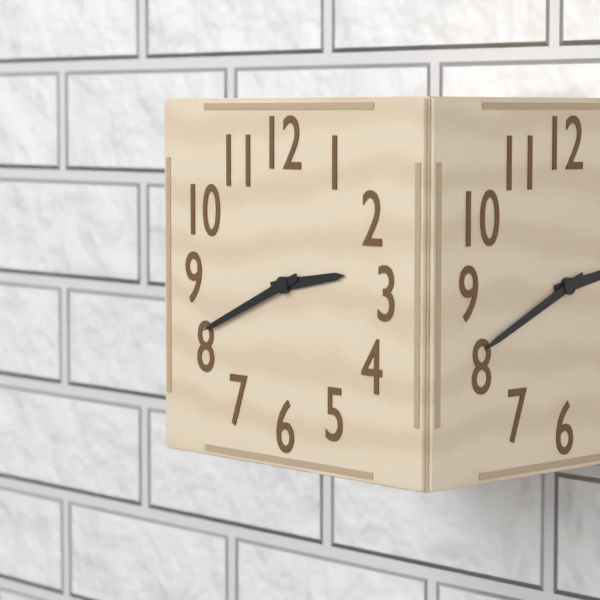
2:41
